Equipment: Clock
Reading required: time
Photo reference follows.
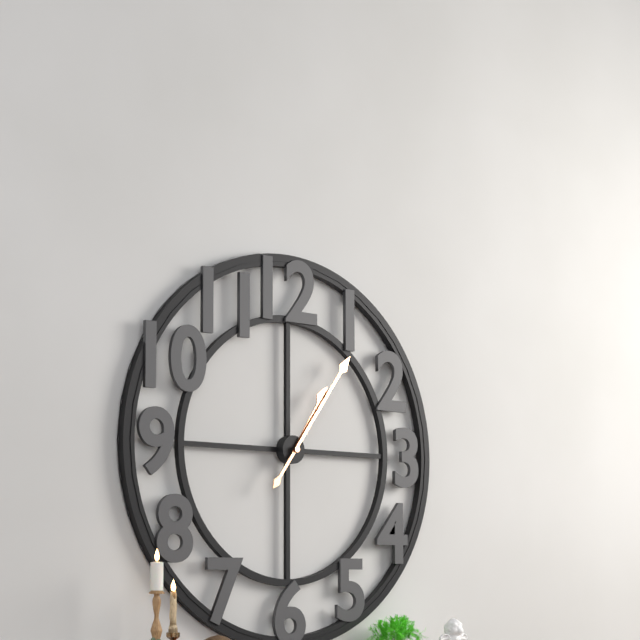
1:06
